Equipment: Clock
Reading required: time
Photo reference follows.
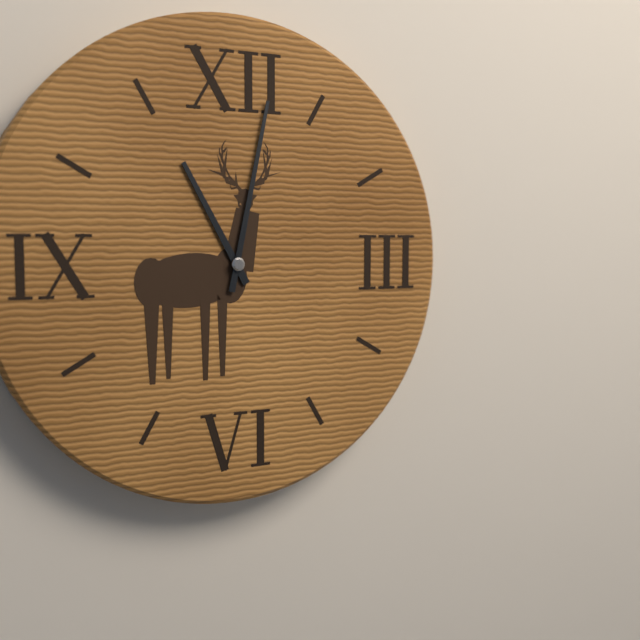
11:02
